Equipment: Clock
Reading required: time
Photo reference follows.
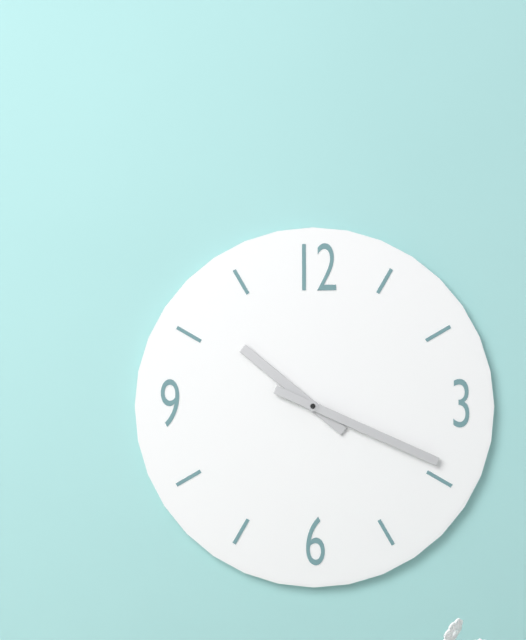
10:19
